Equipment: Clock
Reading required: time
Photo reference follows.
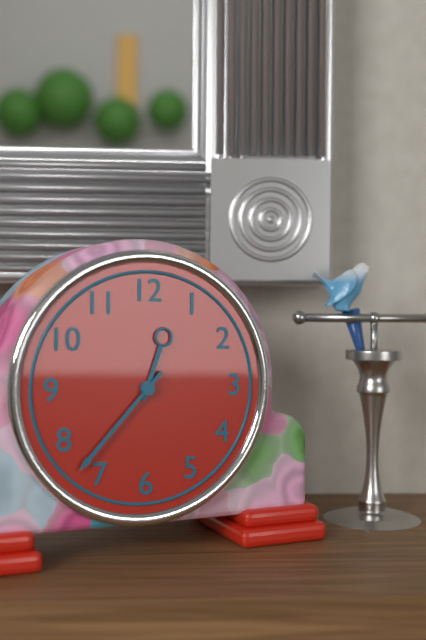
12:37
